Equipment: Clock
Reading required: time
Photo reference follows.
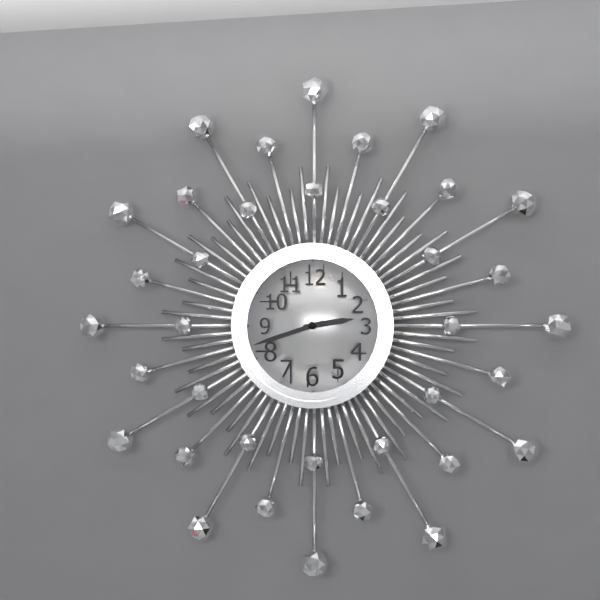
2:42
